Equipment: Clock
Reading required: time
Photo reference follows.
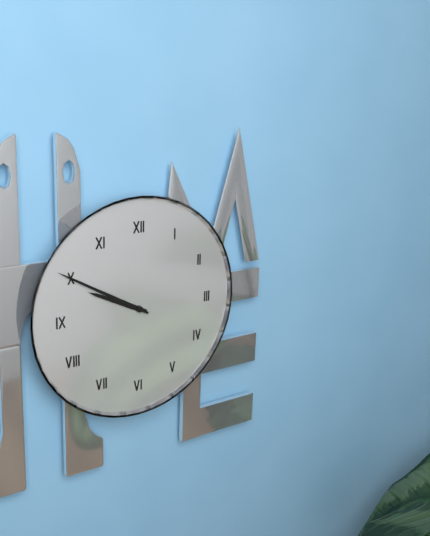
9:50
